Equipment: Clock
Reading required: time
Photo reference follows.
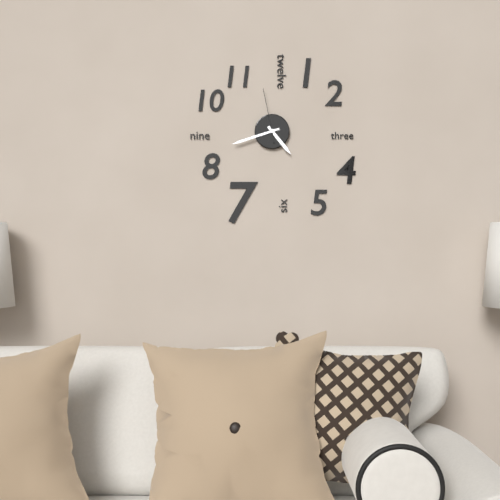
4:42:58
